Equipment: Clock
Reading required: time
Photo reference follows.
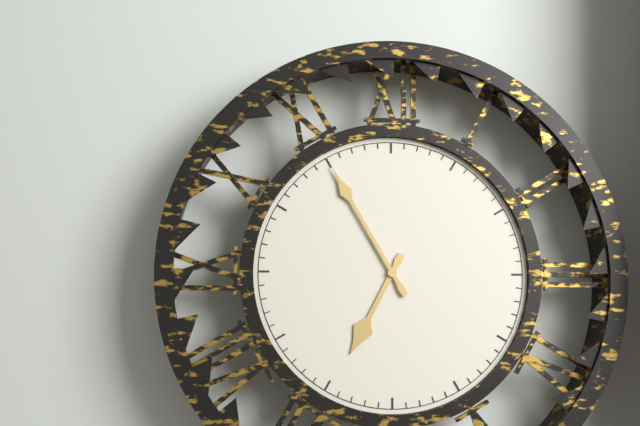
6:55
